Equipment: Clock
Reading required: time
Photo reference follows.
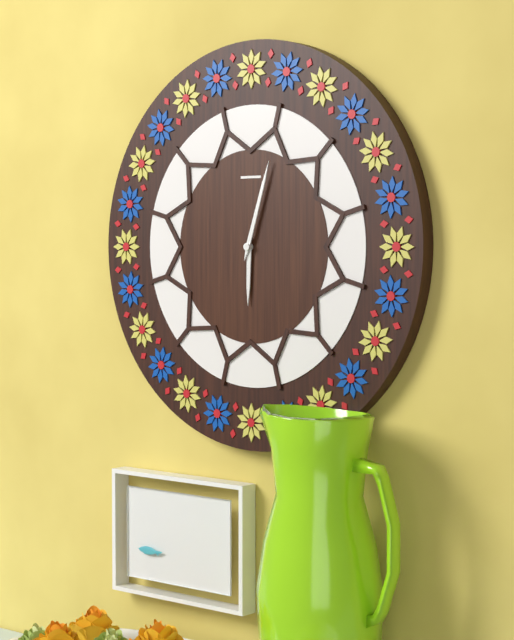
6:03
